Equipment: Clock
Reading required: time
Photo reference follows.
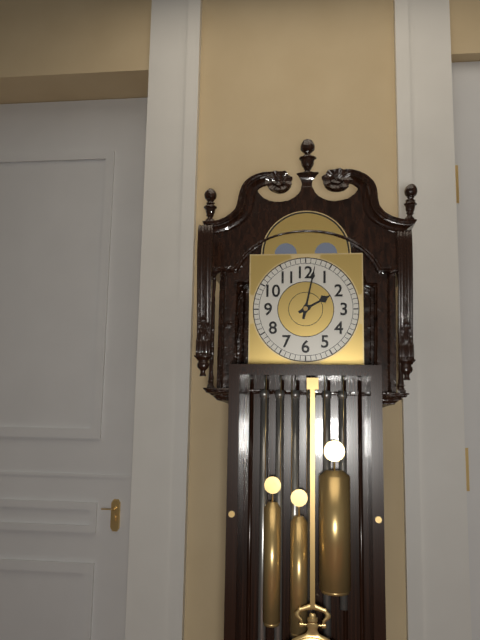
2:02
